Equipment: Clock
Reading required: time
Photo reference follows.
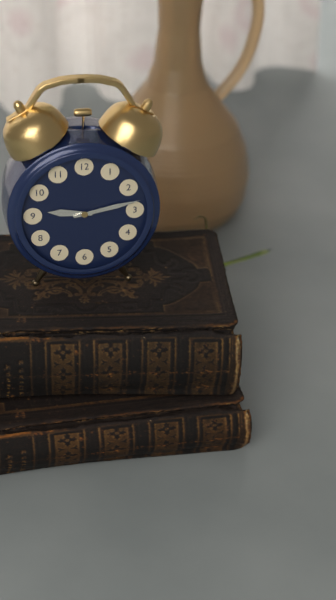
9:13
